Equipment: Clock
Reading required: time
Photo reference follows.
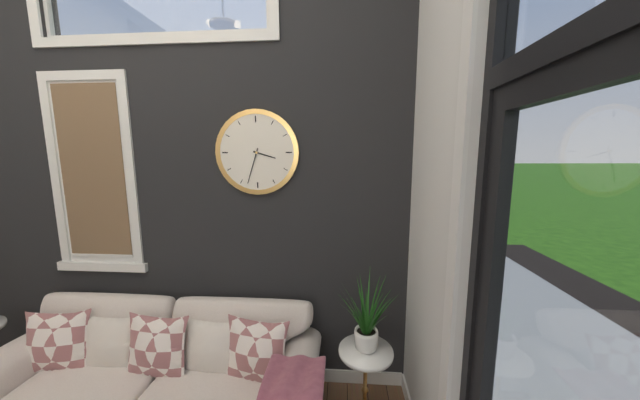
3:33
